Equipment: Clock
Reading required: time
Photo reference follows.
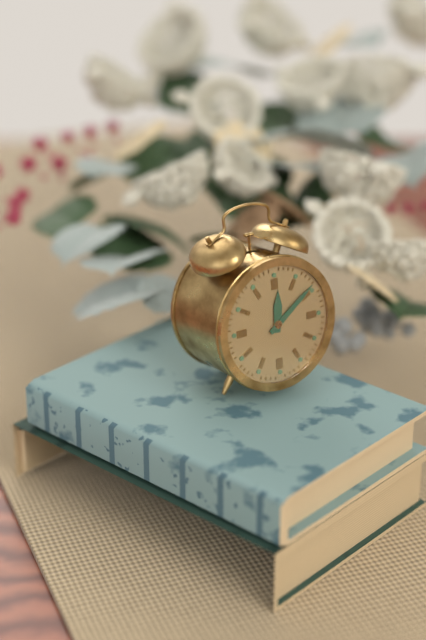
12:09
